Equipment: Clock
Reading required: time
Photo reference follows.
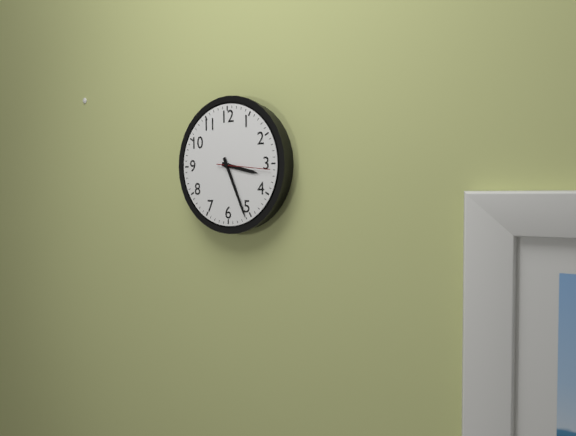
3:26:16
